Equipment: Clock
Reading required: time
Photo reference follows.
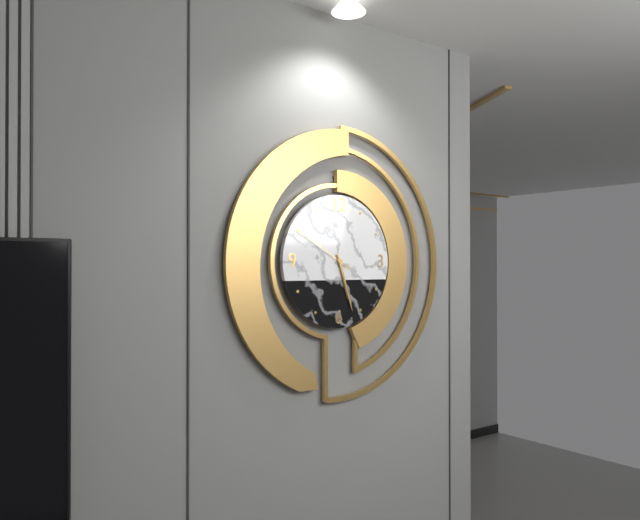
5:27:50
